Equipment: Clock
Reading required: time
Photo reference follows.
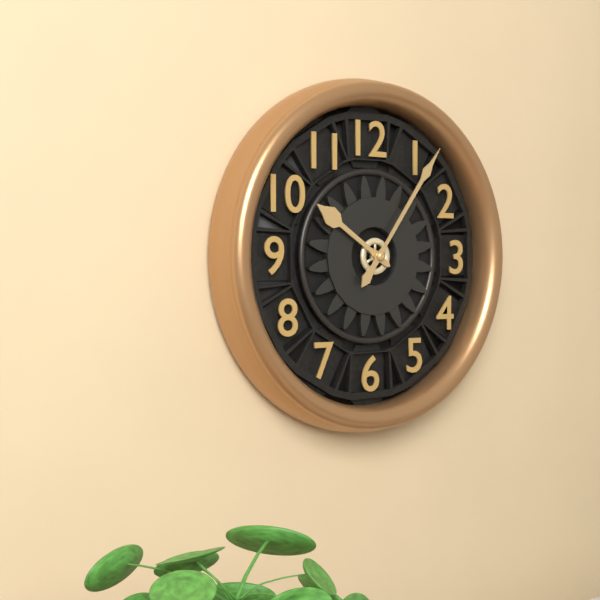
10:06
